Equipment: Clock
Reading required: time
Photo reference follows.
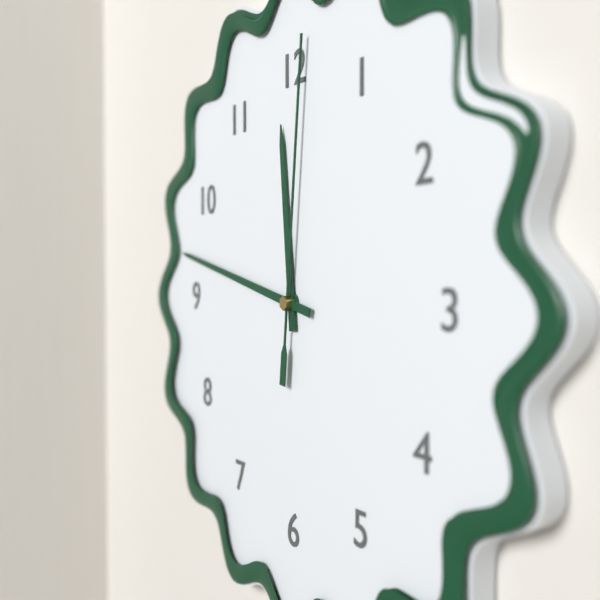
11:47:01
